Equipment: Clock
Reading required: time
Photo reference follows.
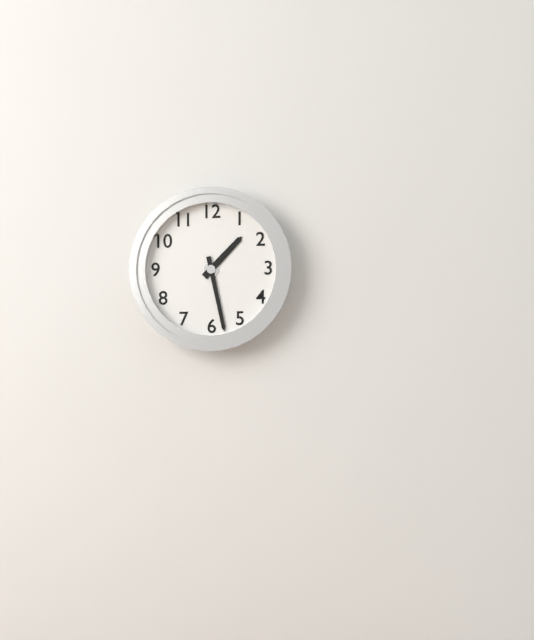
1:28
